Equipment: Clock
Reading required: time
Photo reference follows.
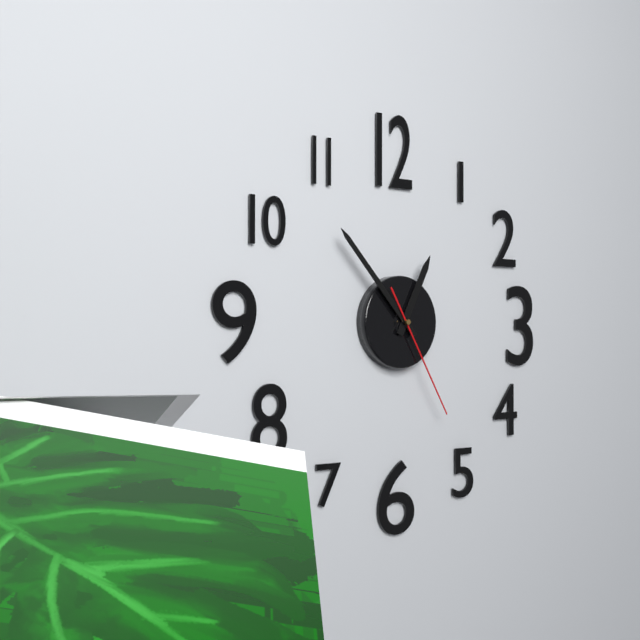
12:53:25
